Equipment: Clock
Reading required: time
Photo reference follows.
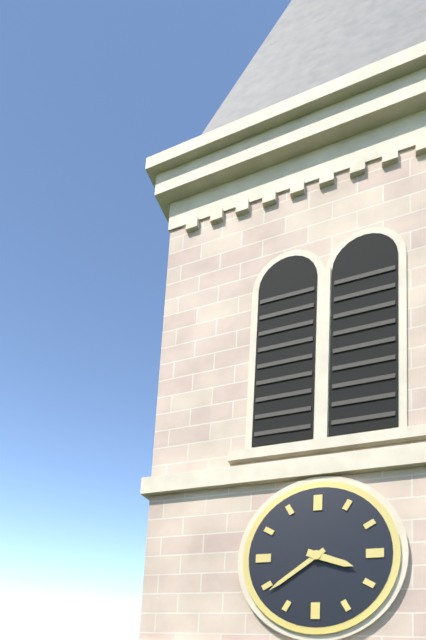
3:39
